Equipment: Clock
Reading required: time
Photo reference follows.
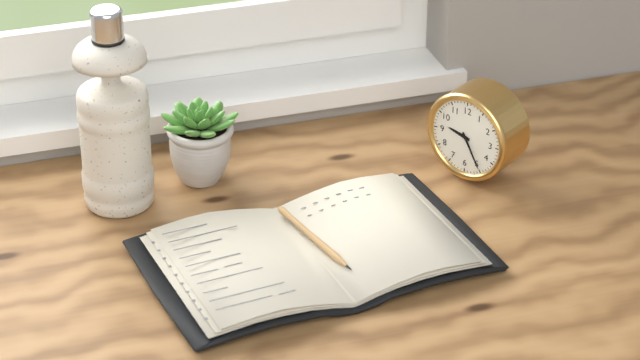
9:25
